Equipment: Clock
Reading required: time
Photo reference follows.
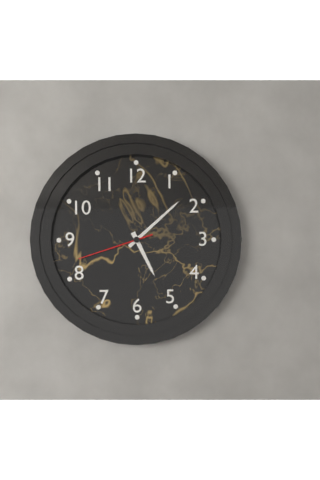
5:08:42
